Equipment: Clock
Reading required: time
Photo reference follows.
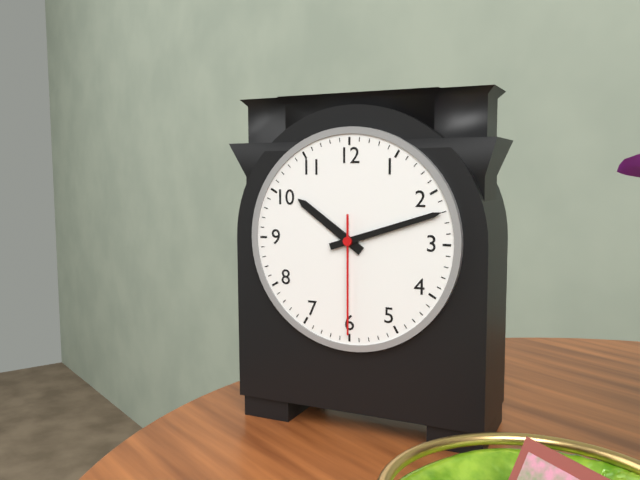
10:12:30
